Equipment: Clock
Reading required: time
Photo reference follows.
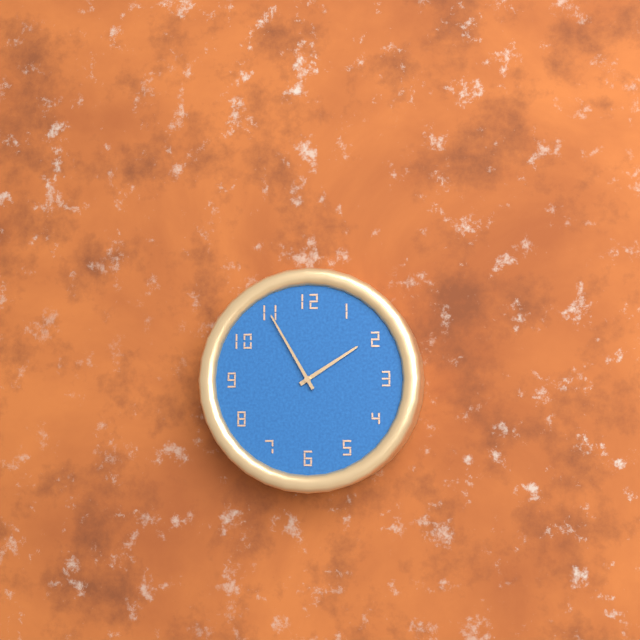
1:55
